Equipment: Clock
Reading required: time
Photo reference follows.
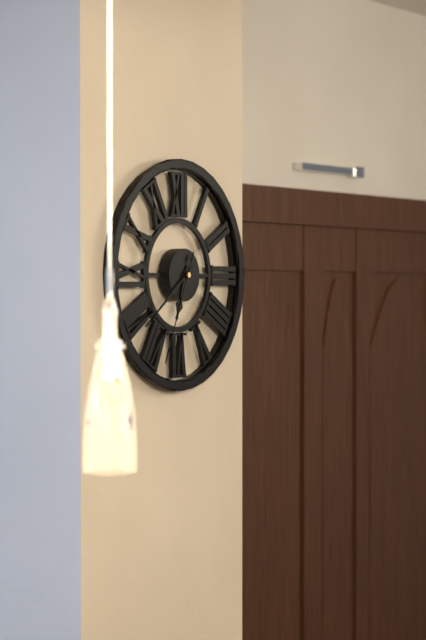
6:39:34
